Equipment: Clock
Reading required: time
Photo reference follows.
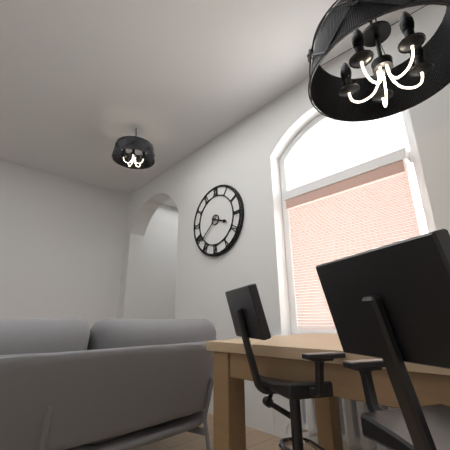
3:38
